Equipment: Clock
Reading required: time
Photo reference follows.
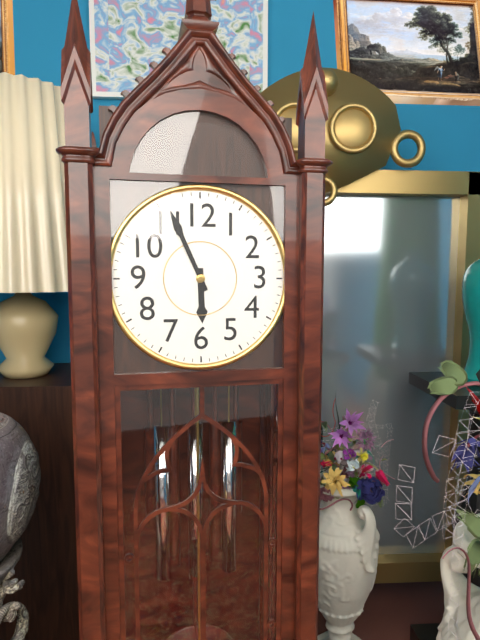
5:56
